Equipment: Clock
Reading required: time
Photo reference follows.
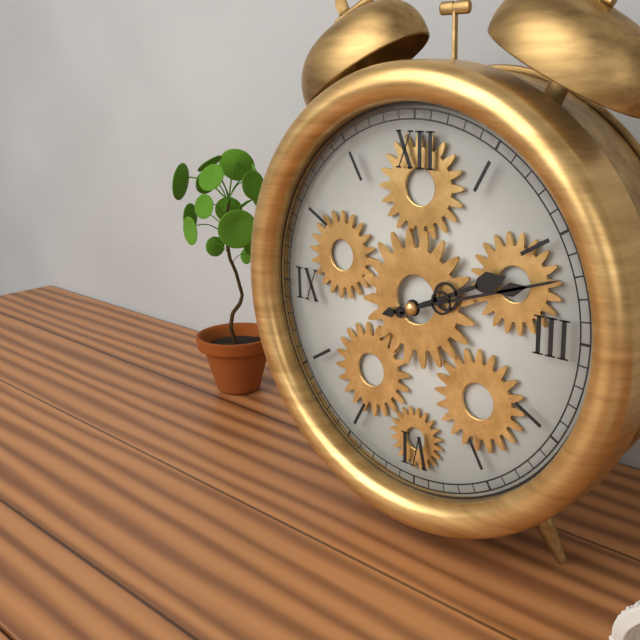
2:12
